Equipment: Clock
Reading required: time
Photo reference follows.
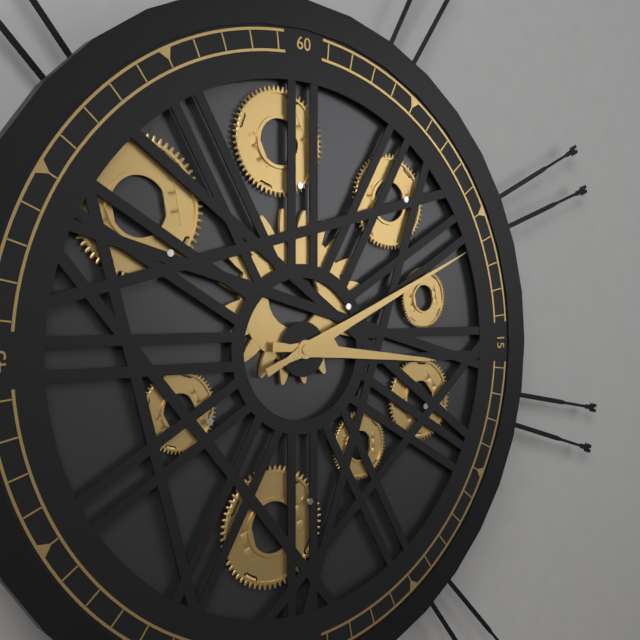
3:11
